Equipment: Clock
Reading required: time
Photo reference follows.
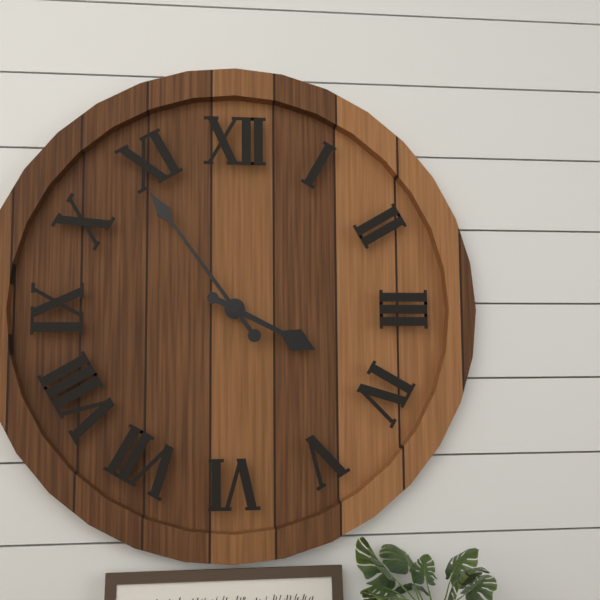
3:54
